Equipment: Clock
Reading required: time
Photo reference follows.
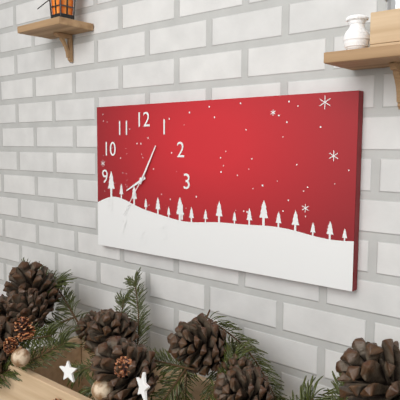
8:05
